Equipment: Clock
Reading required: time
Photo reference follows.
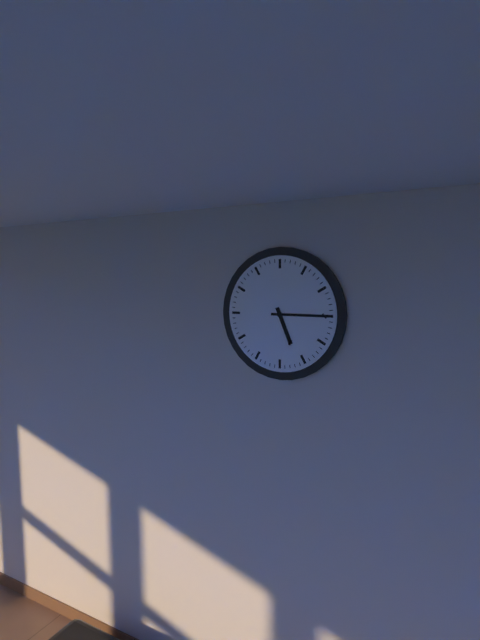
5:15
